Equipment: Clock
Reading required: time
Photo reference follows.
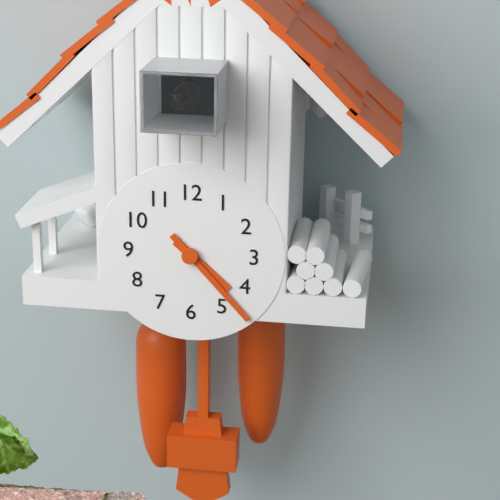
4:23
